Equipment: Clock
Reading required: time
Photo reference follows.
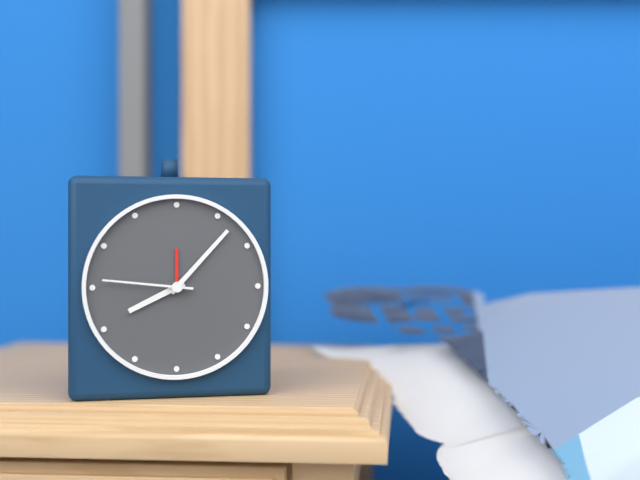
8:07:46
